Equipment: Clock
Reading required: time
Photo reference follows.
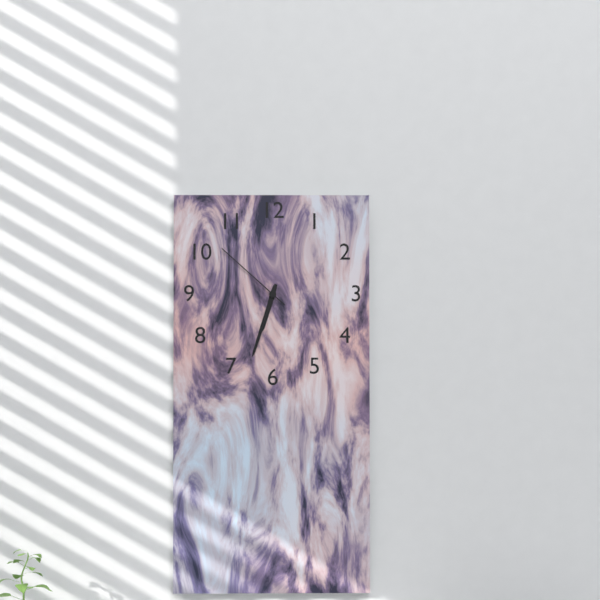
6:33:52
